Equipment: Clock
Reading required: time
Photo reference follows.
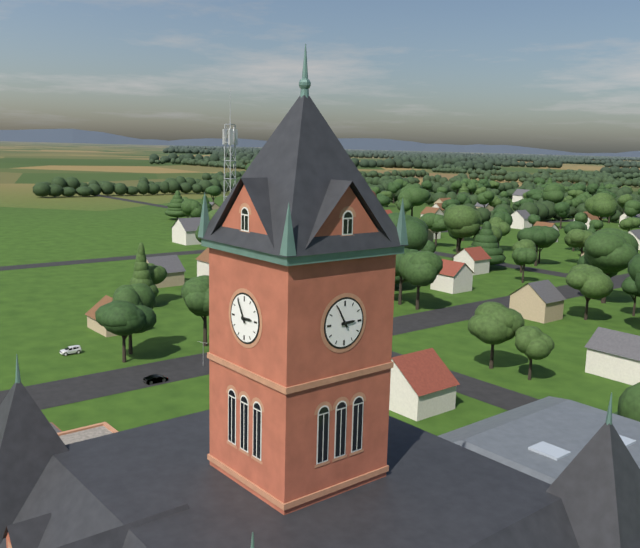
2:55
